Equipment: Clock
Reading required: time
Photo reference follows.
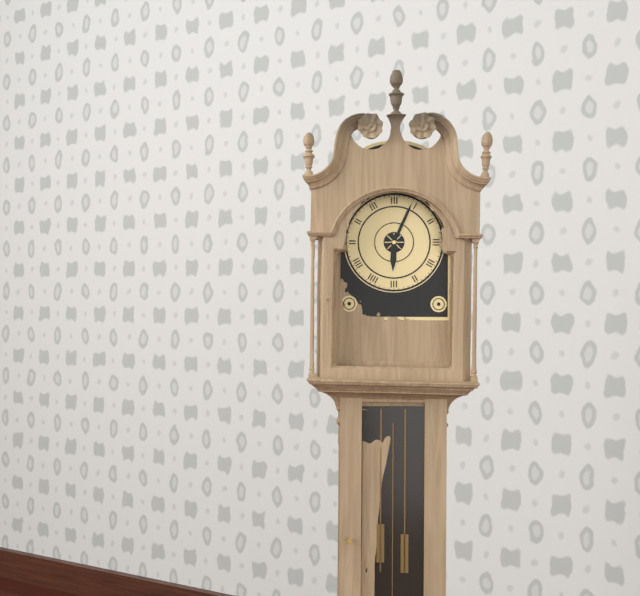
6:04
